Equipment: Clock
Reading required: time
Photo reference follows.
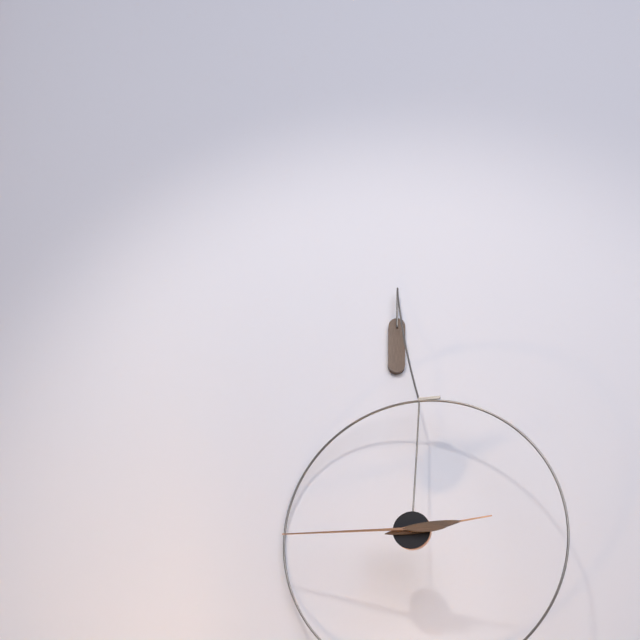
2:45
